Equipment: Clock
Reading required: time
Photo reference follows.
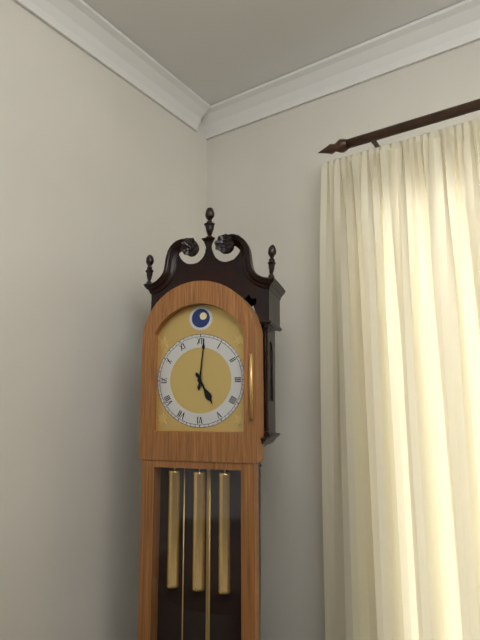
5:01
